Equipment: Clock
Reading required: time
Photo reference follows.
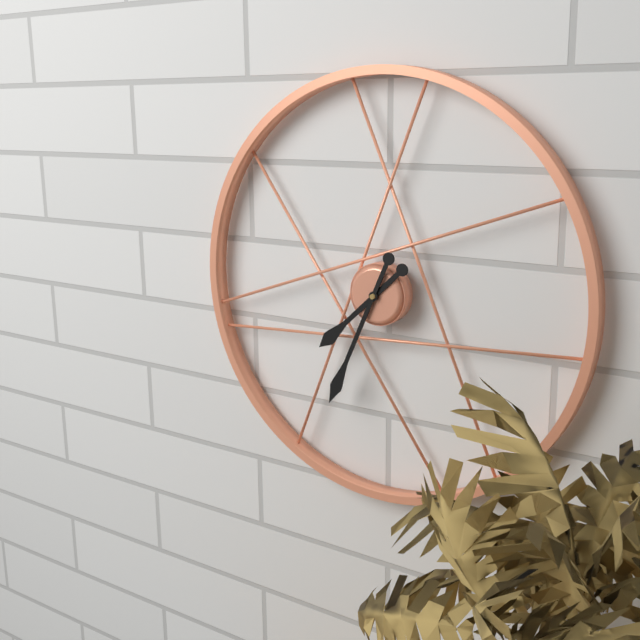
7:34
